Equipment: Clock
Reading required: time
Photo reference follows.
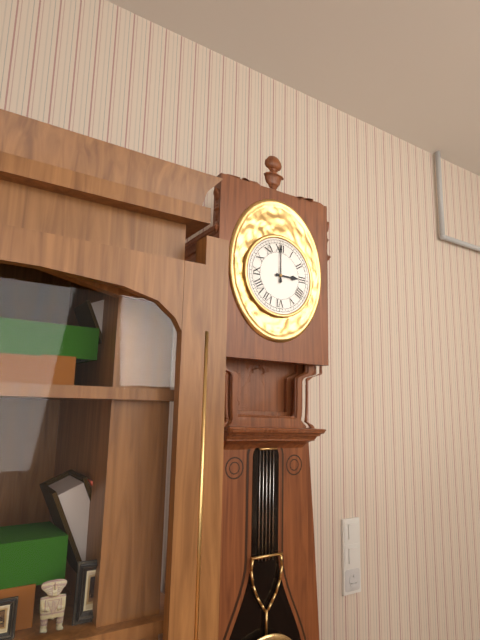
3:00
